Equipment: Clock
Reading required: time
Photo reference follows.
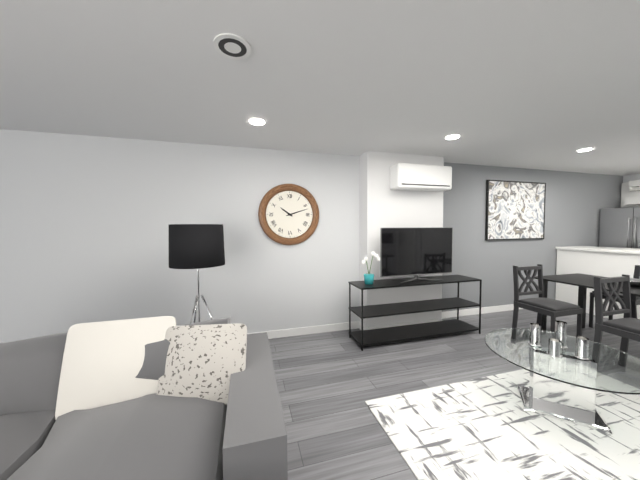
10:12
